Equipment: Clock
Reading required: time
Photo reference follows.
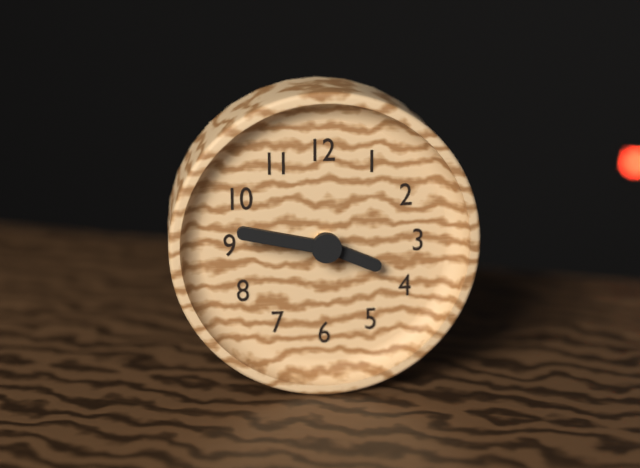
3:47
